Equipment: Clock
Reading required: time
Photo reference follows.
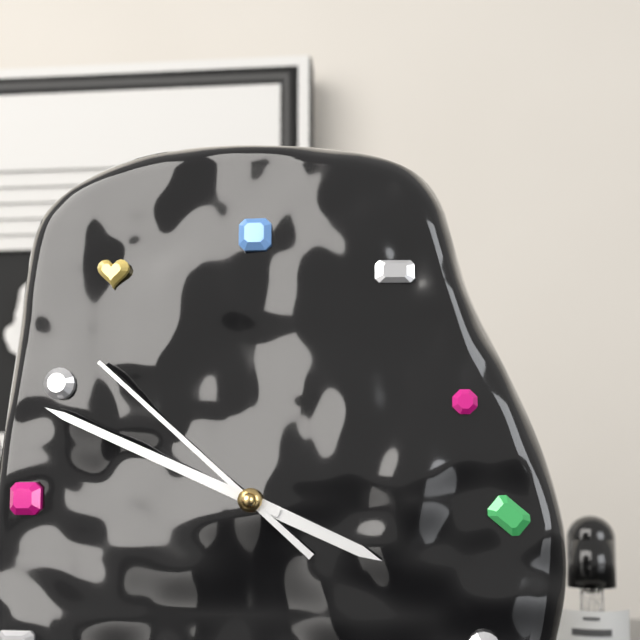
3:49:52
